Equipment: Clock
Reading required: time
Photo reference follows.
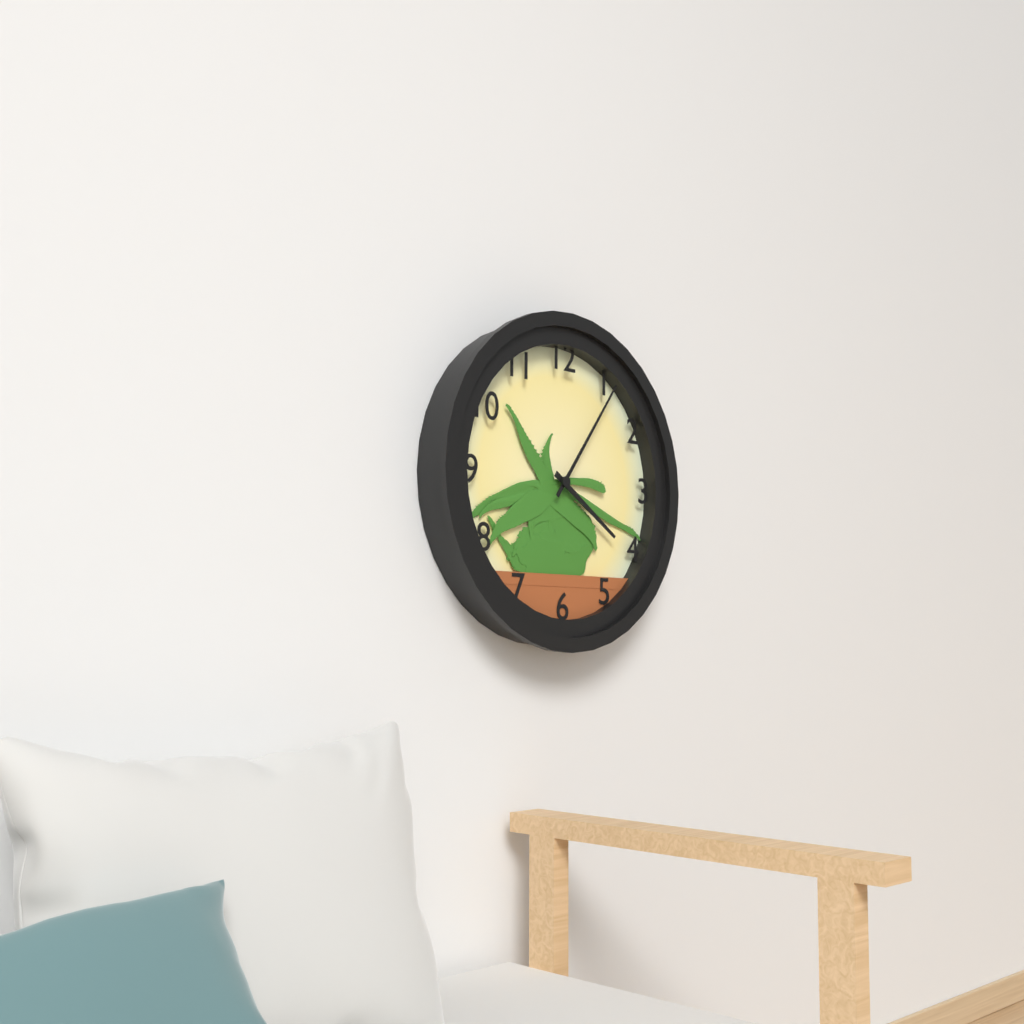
4:06
